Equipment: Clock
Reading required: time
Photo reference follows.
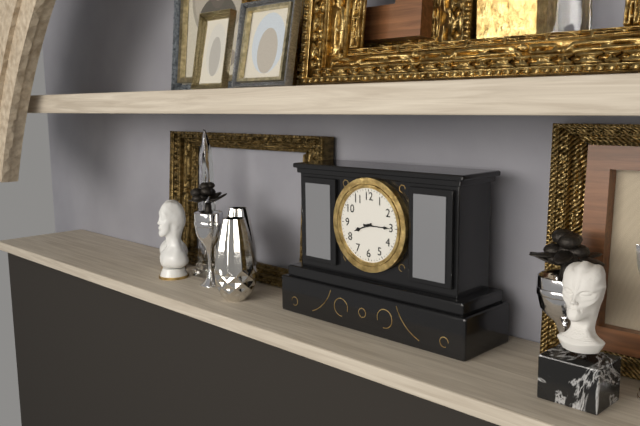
8:15
